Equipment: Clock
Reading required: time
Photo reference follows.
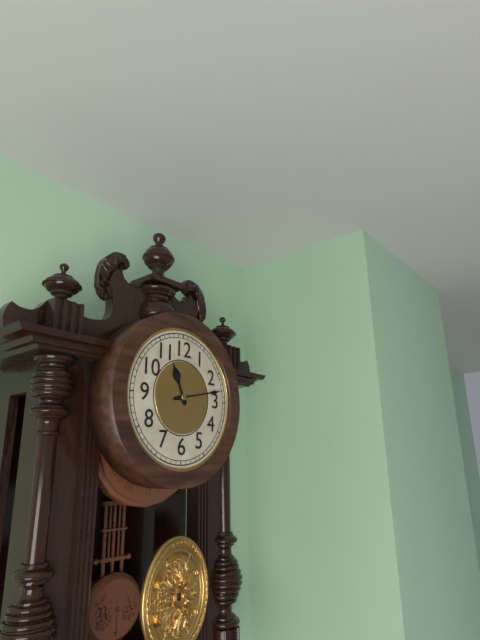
11:13
